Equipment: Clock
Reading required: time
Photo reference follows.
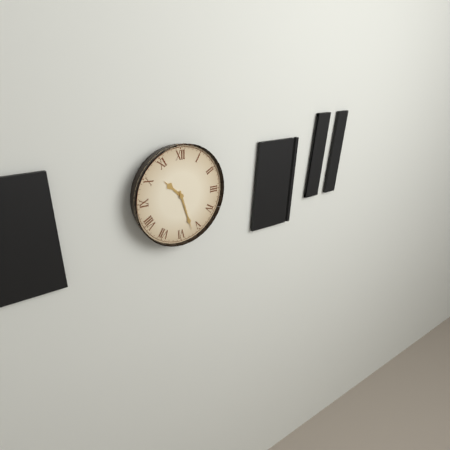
10:27
